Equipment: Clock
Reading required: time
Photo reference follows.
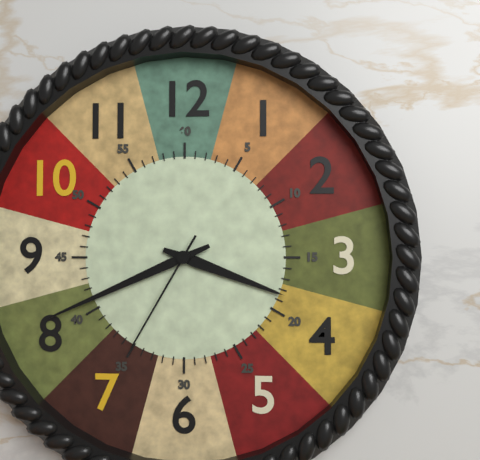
3:41:35
